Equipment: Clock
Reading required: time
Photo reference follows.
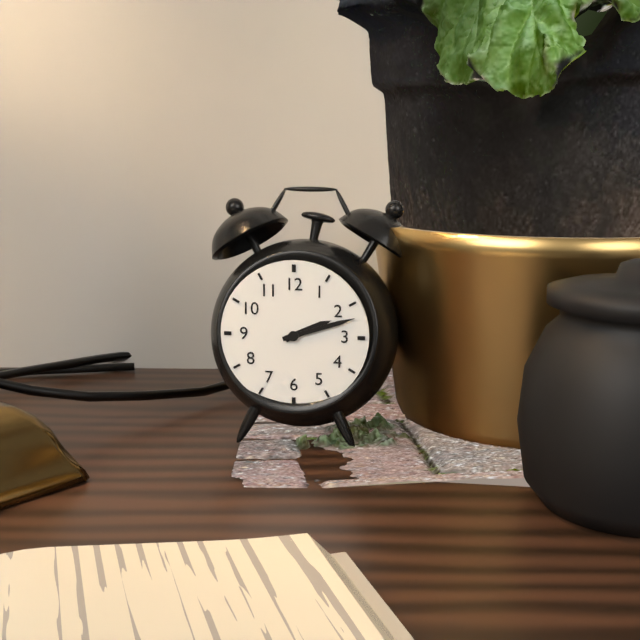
2:12
